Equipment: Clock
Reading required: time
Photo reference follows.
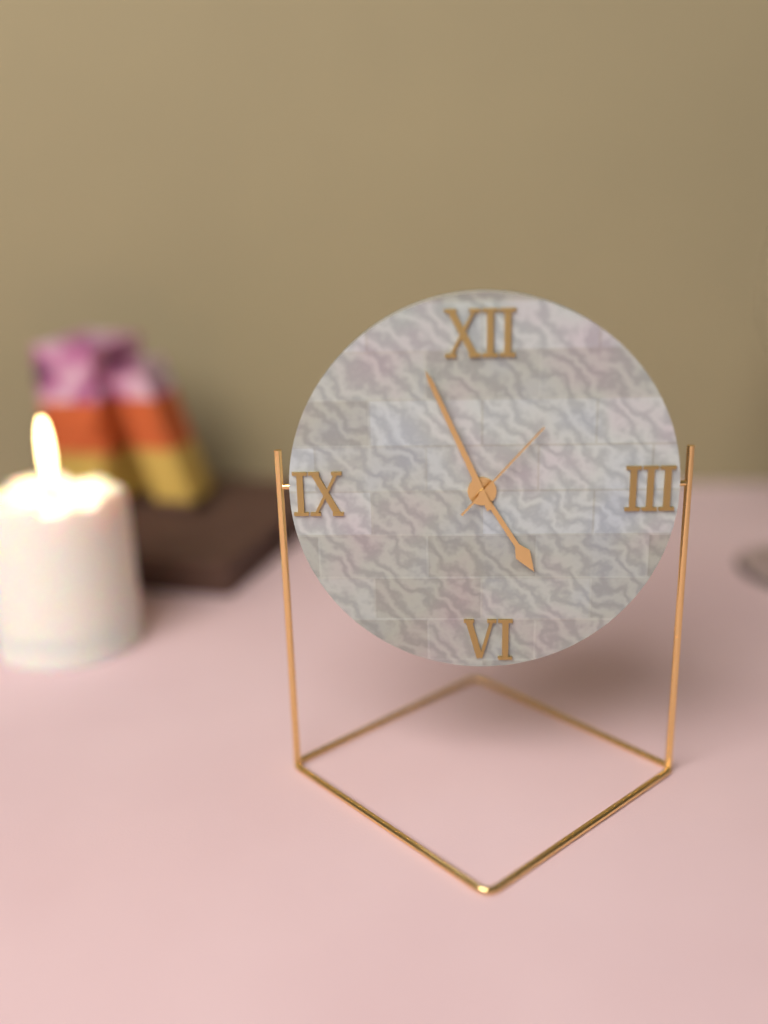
4:56:07
